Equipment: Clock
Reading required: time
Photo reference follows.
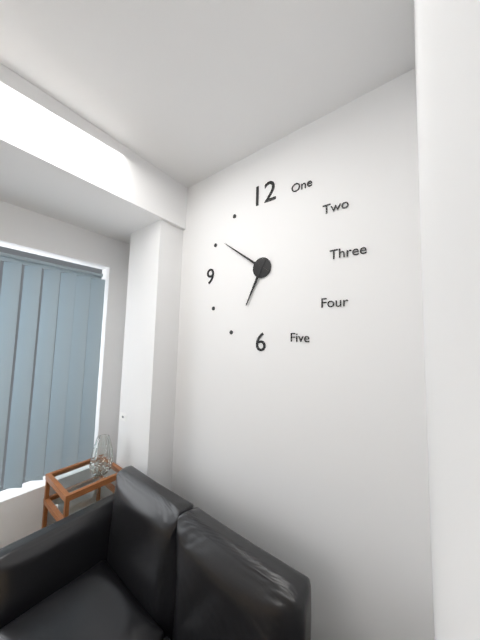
6:51
